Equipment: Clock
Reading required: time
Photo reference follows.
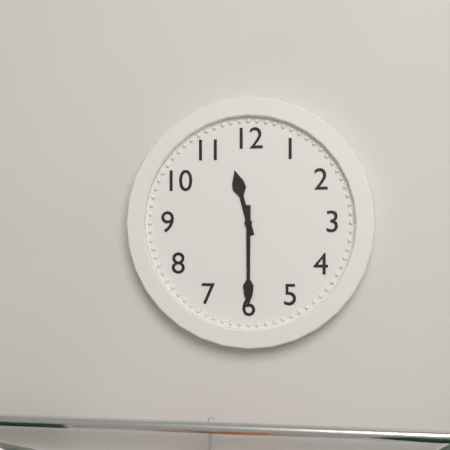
11:30
